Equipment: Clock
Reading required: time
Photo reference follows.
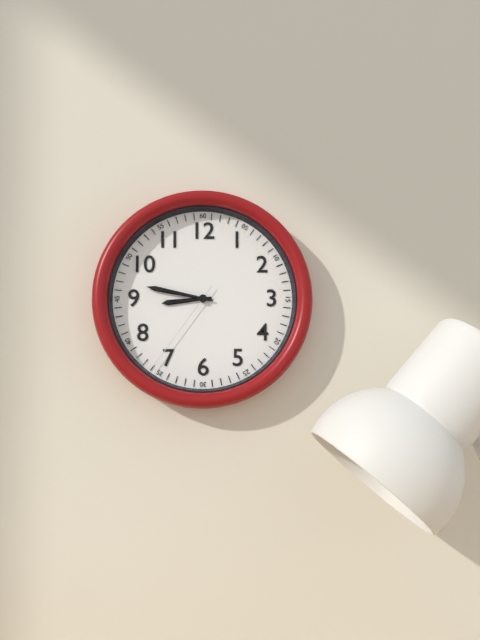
8:47:36
